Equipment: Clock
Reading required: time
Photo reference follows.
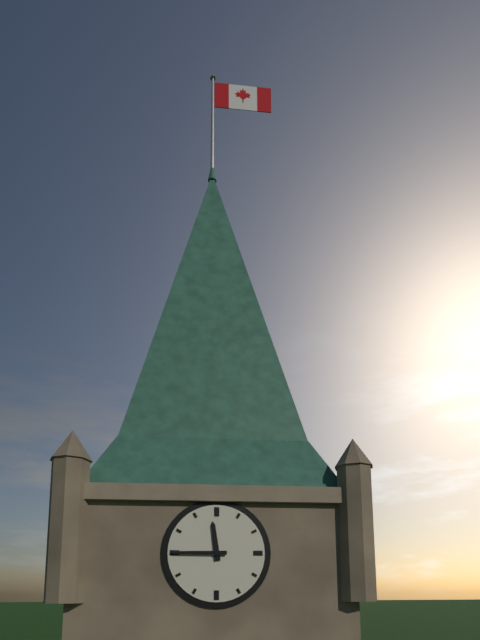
11:45
